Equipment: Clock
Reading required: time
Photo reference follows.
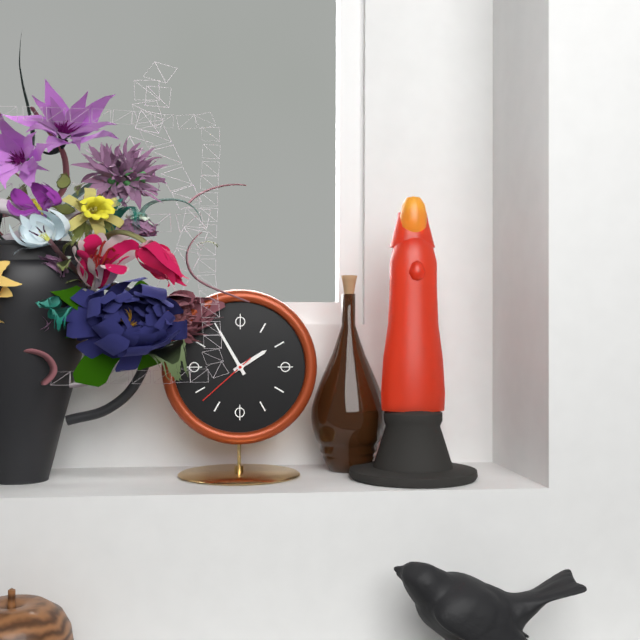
1:55:38
